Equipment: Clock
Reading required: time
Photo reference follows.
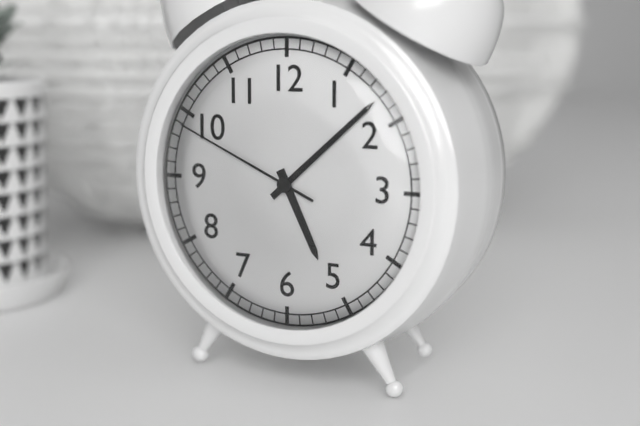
5:08:49
